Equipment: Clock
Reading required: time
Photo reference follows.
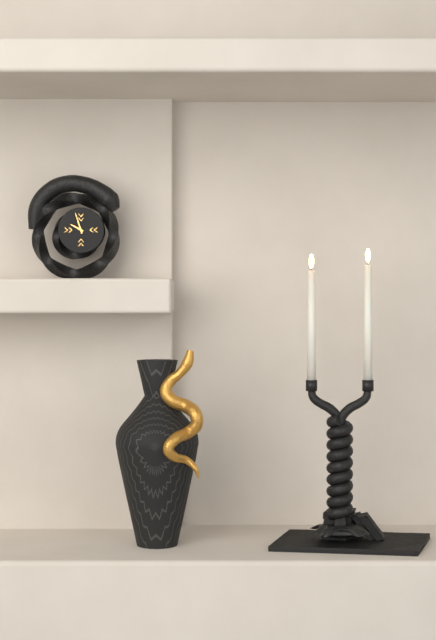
9:57
